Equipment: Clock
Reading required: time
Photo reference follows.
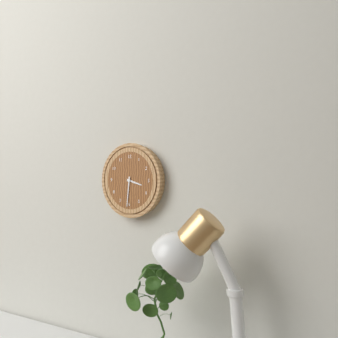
3:31
